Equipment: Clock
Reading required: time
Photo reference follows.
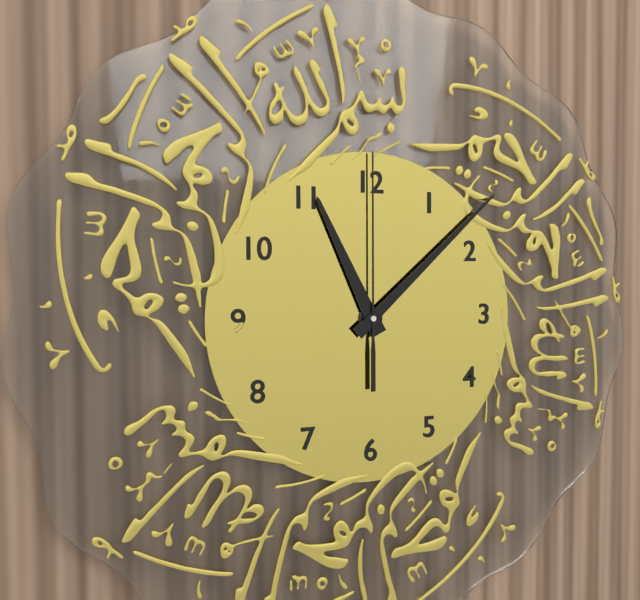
11:08:00
